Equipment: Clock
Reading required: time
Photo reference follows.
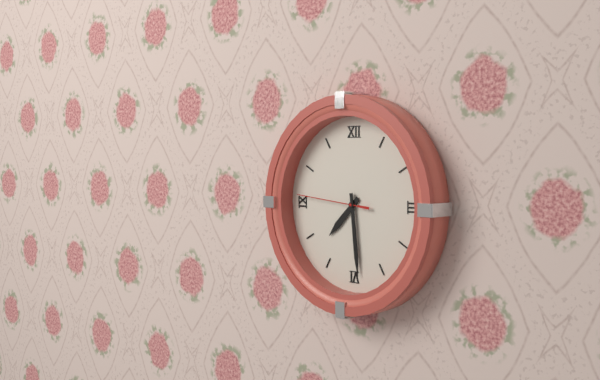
7:29:46
